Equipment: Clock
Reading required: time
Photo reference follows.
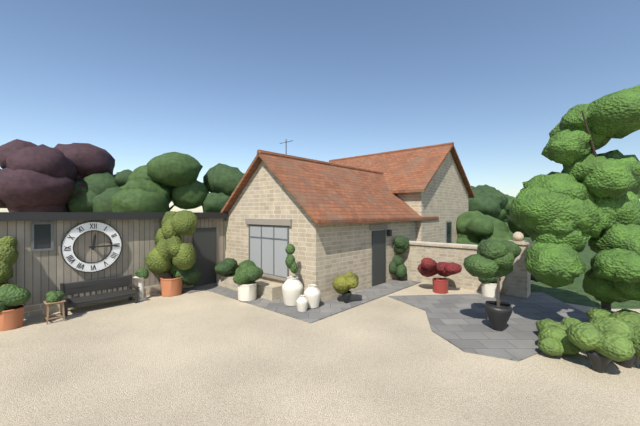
12:15
